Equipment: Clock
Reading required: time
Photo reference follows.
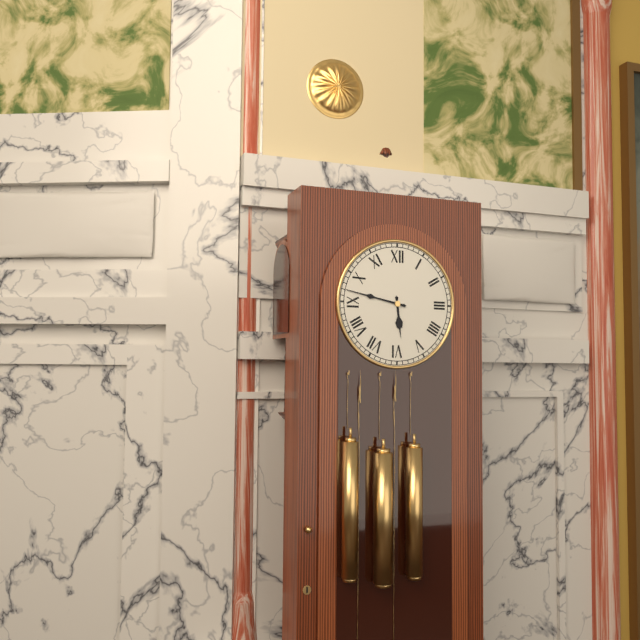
5:47
